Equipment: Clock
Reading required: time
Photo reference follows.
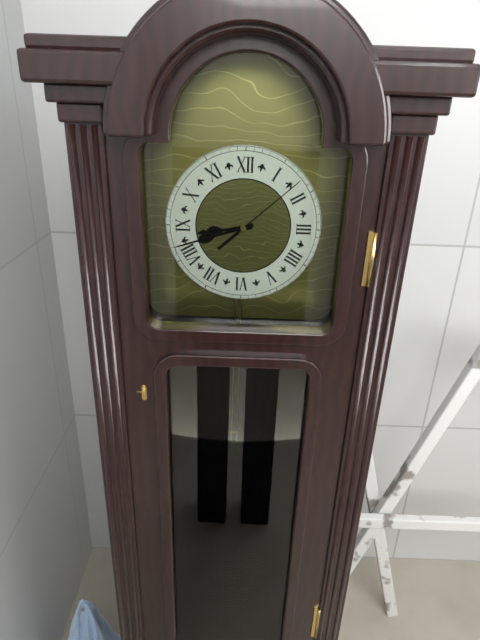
8:42:08
